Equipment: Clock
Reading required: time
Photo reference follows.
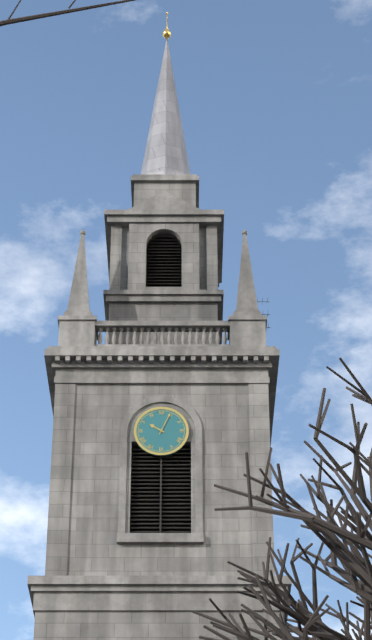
10:04
